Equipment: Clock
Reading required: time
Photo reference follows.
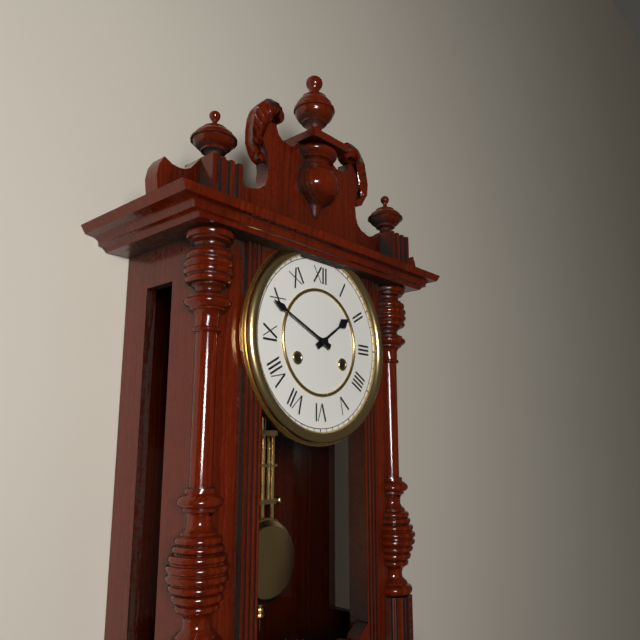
1:49
